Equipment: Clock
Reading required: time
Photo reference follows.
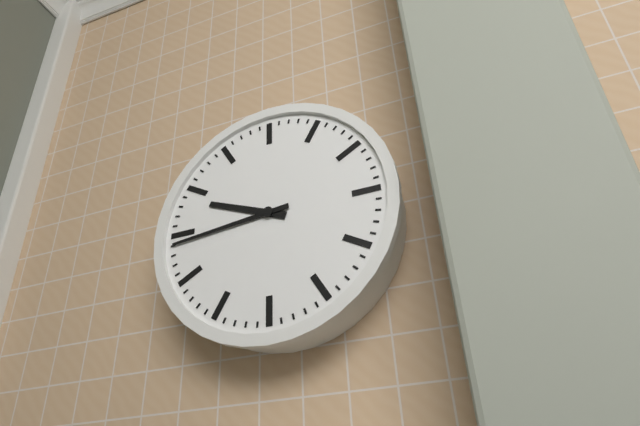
9:44
